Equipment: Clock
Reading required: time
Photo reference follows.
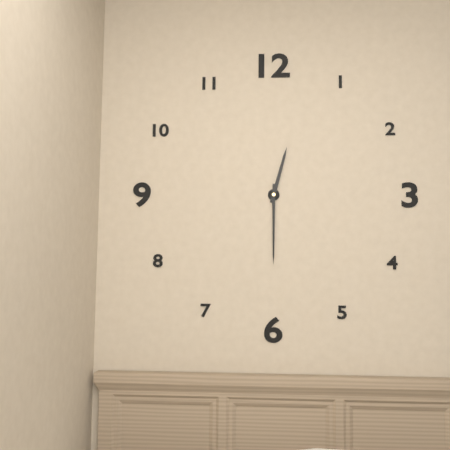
12:30
